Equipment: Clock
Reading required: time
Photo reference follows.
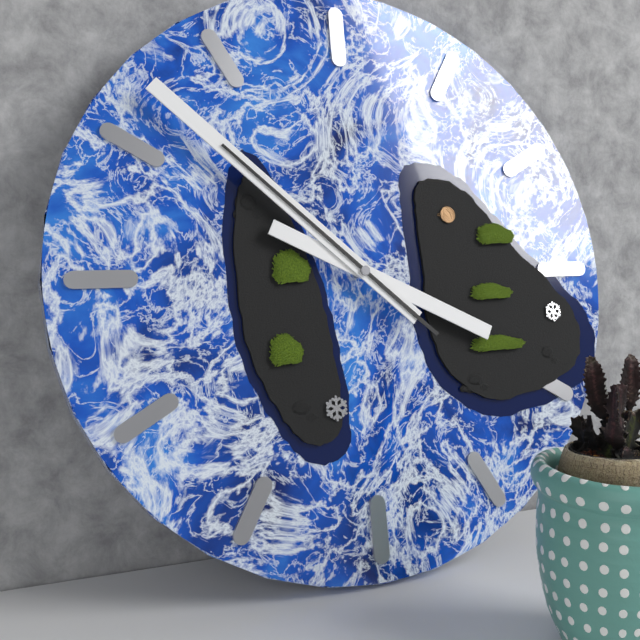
3:52:52
